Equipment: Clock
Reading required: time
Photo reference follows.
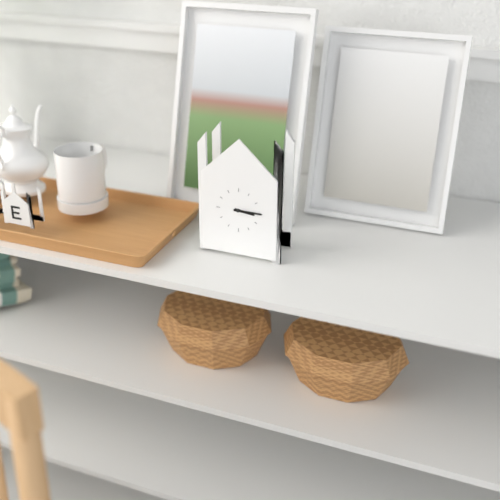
3:15
